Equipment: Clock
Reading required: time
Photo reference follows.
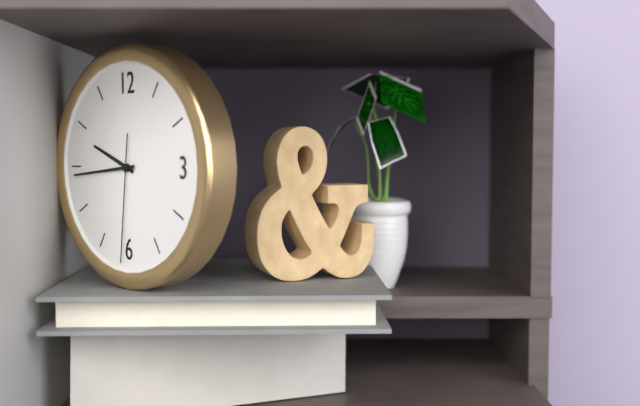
9:44:31
